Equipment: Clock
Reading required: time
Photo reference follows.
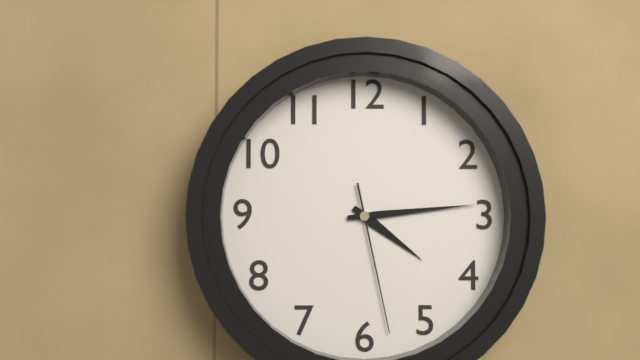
4:14:28
